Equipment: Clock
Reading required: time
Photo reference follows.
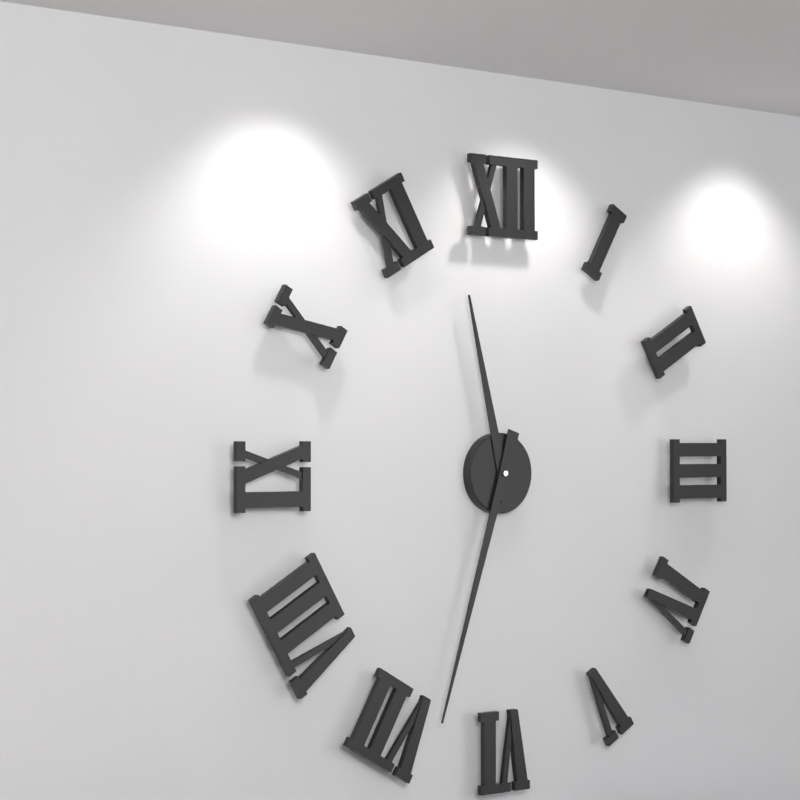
11:33
